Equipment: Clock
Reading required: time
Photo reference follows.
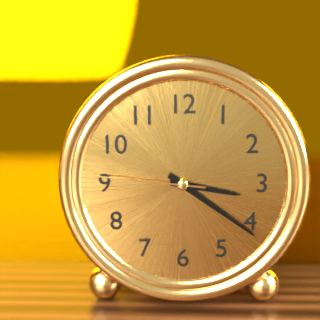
3:21:46
